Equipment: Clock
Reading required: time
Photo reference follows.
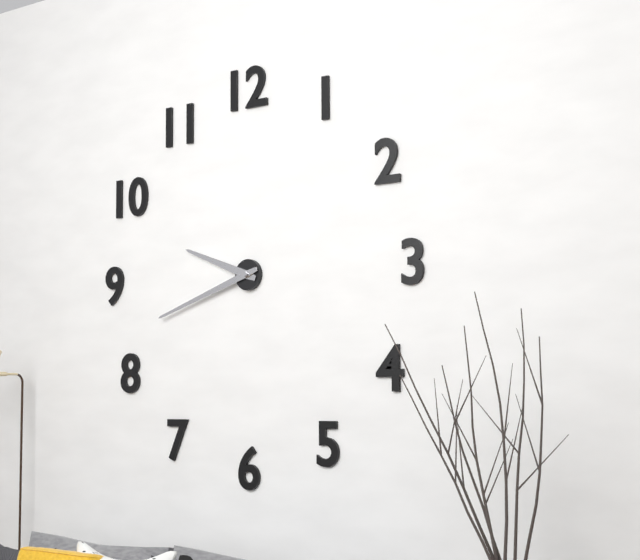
9:42
